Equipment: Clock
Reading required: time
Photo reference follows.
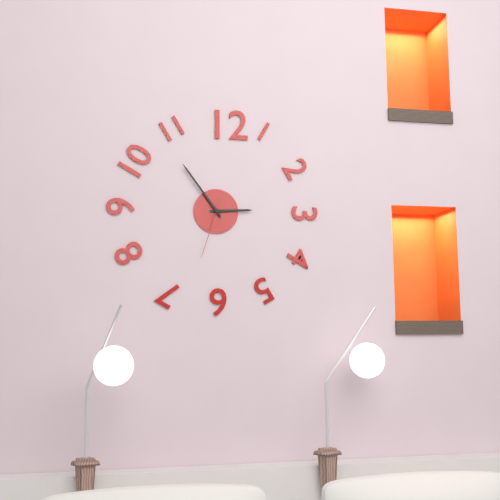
2:54:33
